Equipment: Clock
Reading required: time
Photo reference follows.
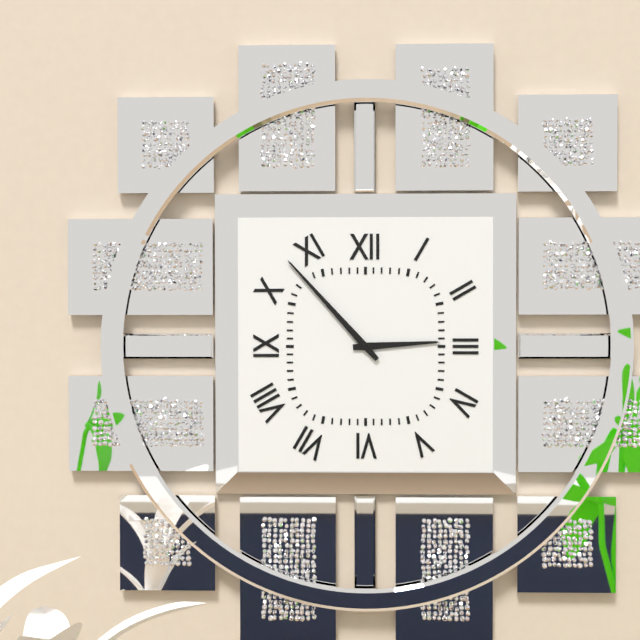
2:53
